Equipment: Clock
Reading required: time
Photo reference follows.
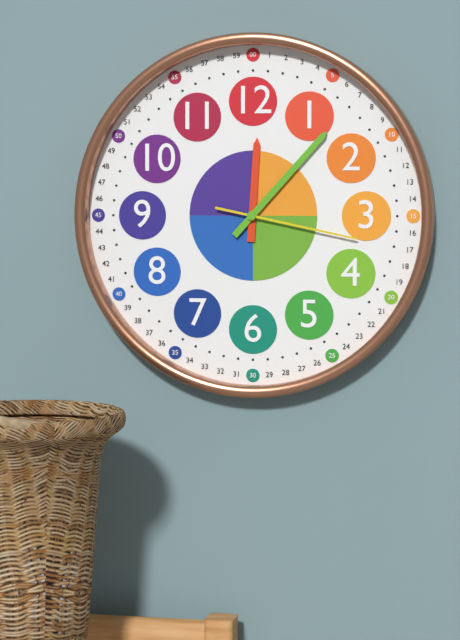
12:07:17
